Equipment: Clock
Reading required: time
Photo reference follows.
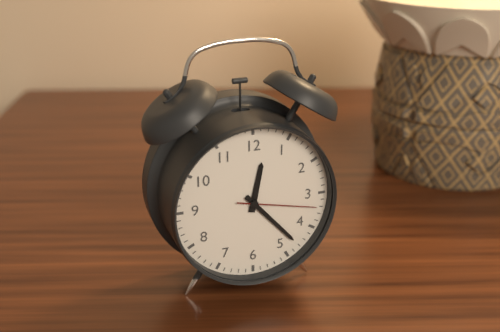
12:23:17
